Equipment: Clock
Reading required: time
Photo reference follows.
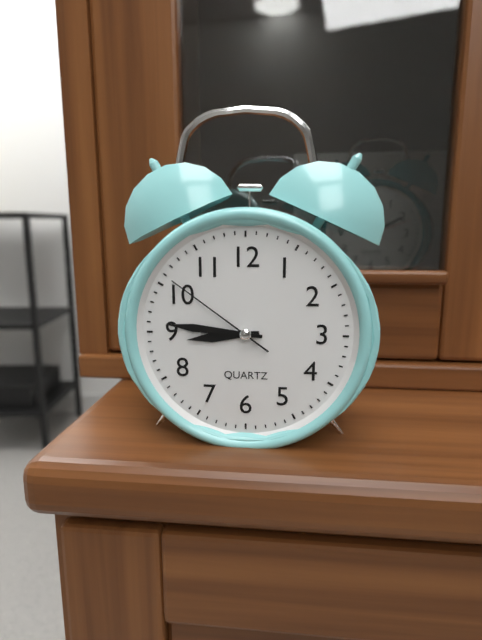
8:46:51
